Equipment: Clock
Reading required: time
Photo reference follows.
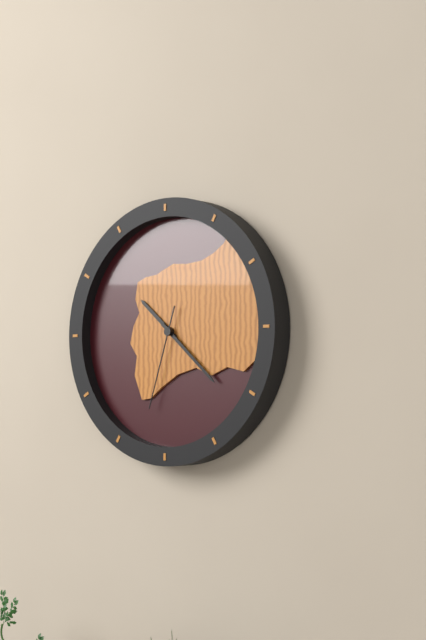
10:22:33
